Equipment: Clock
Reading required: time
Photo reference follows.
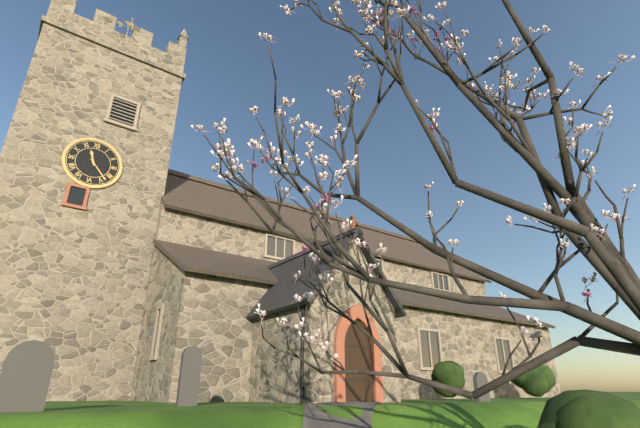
11:23
